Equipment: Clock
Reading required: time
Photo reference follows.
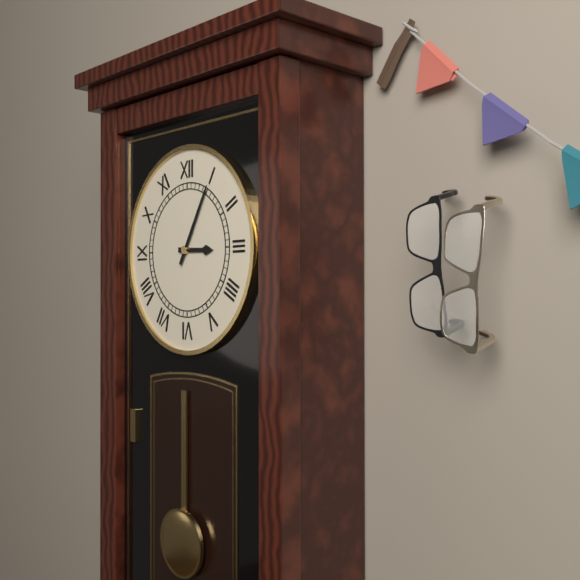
3:05
